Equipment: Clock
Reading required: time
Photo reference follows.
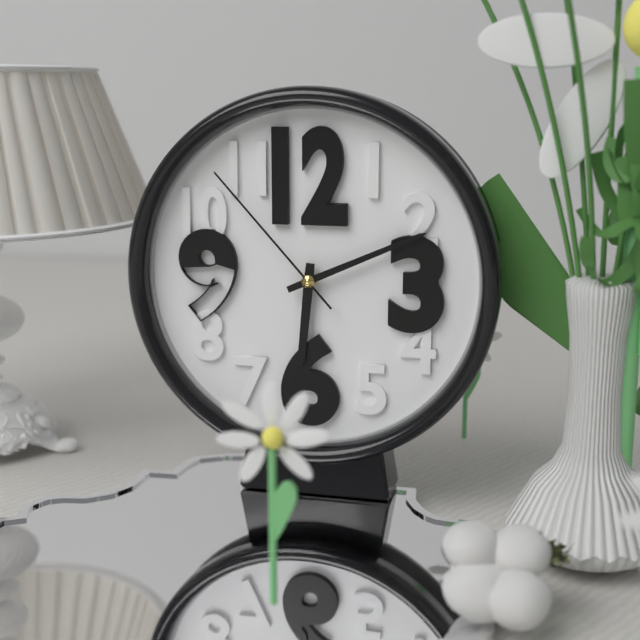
6:11:53
